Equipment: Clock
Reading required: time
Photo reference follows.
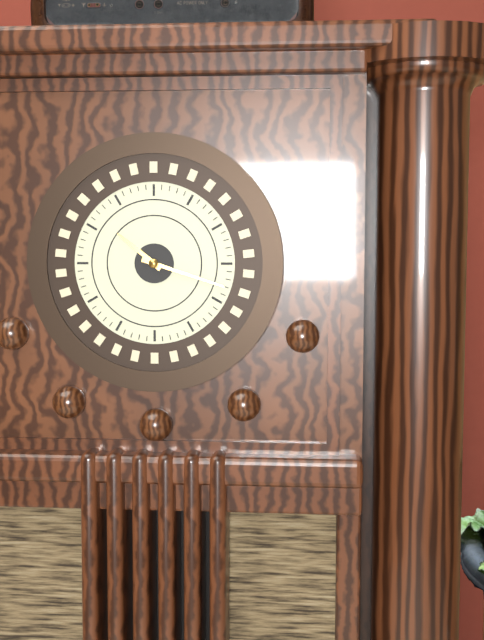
10:18
